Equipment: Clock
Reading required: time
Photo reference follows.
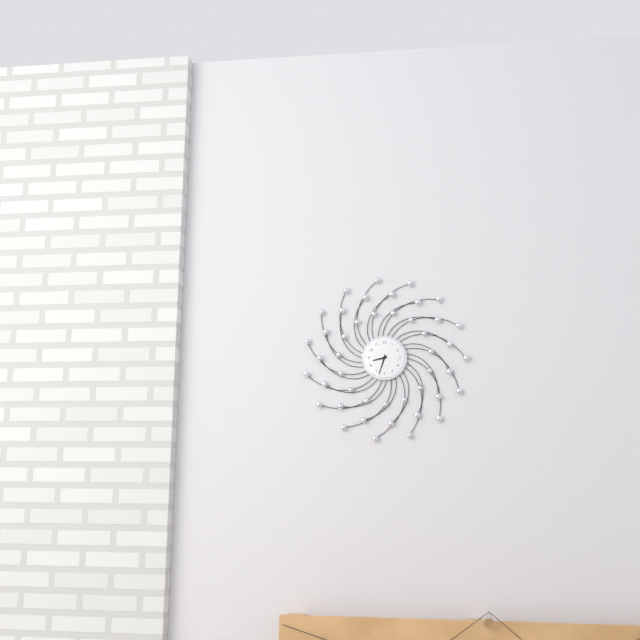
8:33
